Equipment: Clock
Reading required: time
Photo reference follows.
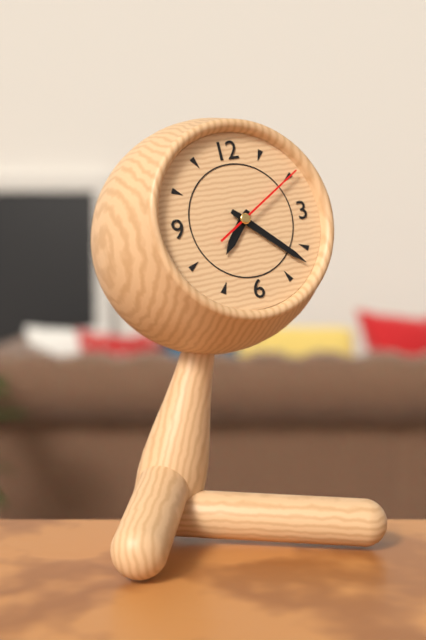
7:22:10
